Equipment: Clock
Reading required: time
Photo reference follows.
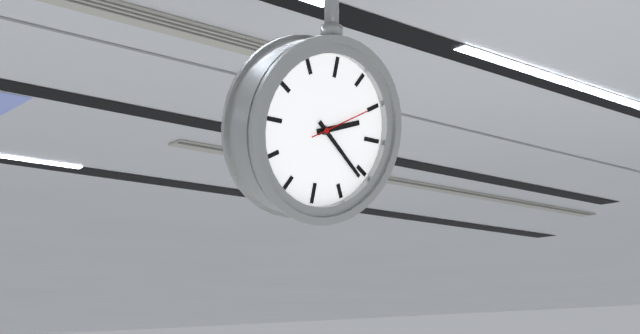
2:21:10
